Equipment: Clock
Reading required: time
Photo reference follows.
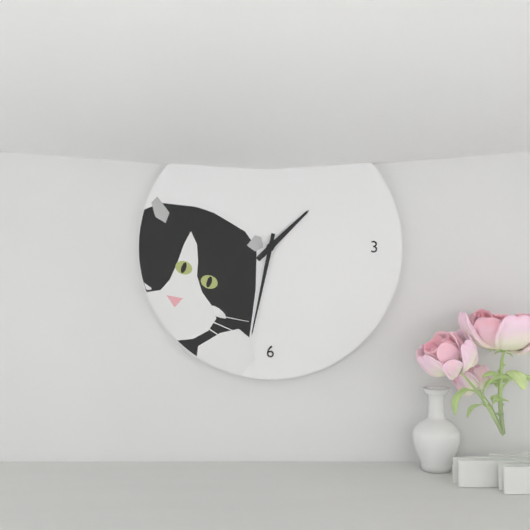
1:32
